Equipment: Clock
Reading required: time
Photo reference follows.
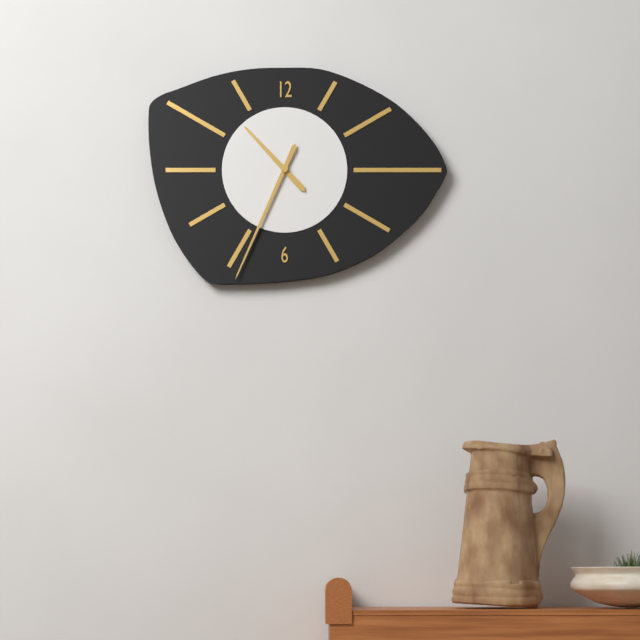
10:34
